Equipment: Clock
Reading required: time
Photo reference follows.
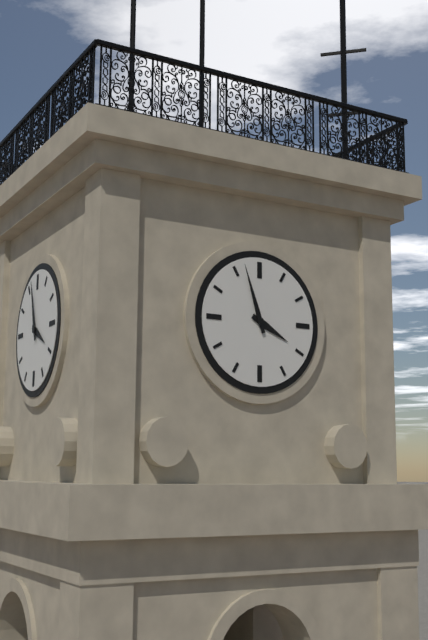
3:57
